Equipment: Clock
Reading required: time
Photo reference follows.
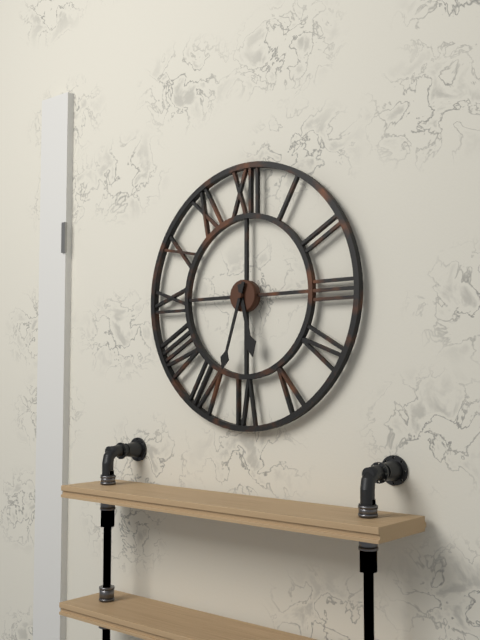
5:33
